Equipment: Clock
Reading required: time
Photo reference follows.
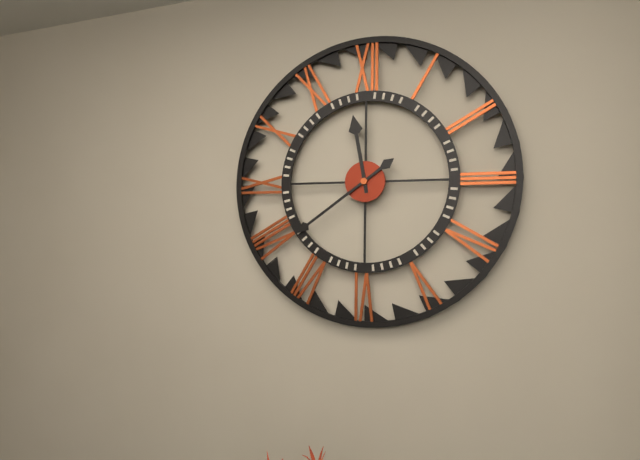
11:39
